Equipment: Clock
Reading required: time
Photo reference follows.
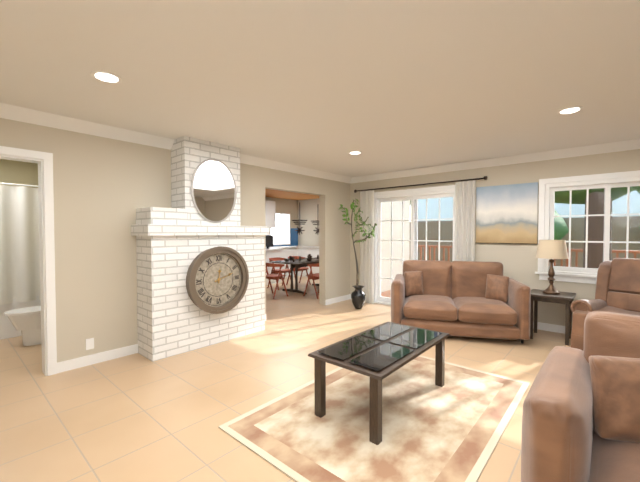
12:12
